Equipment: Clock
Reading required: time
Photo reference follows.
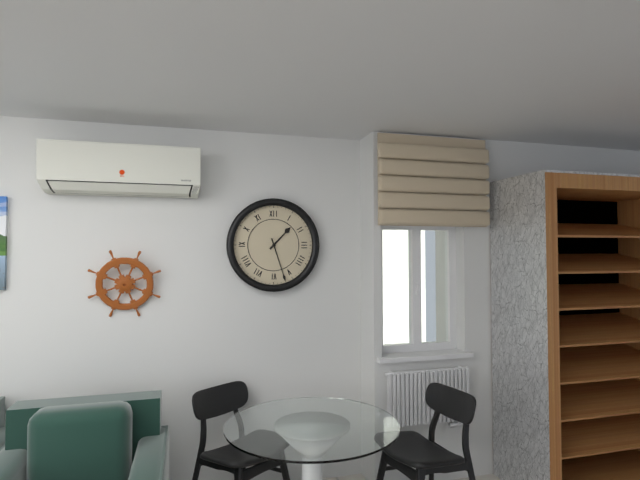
1:27
